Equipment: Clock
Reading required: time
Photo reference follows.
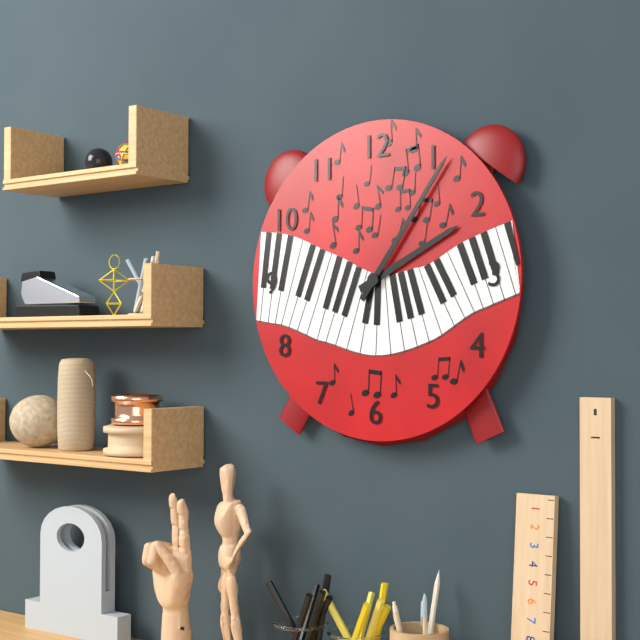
2:06
